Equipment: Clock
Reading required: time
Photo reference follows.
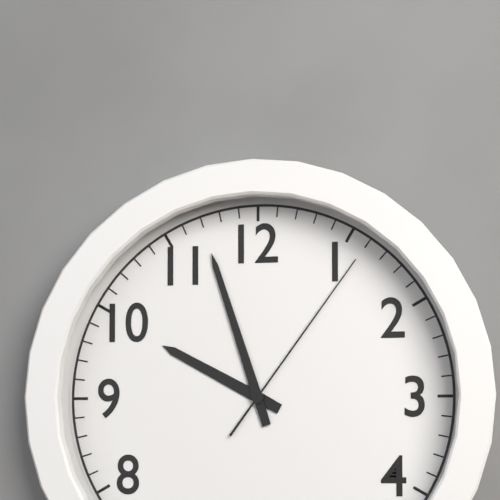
9:57:06
